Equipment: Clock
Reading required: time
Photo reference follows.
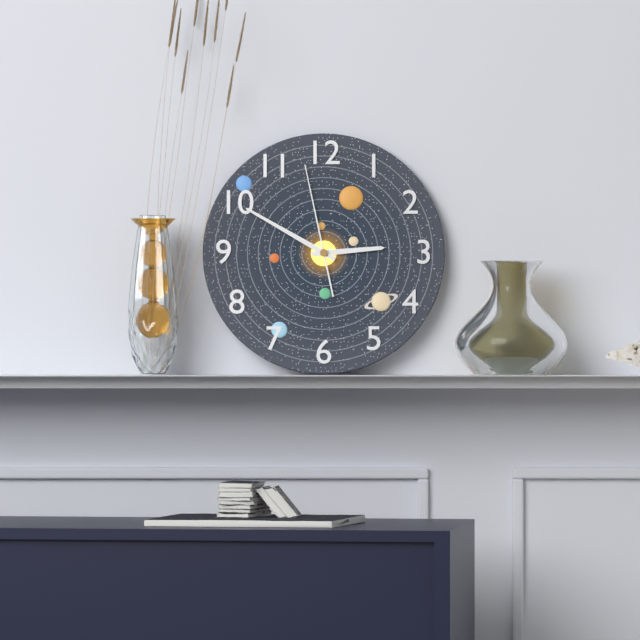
2:50:58
